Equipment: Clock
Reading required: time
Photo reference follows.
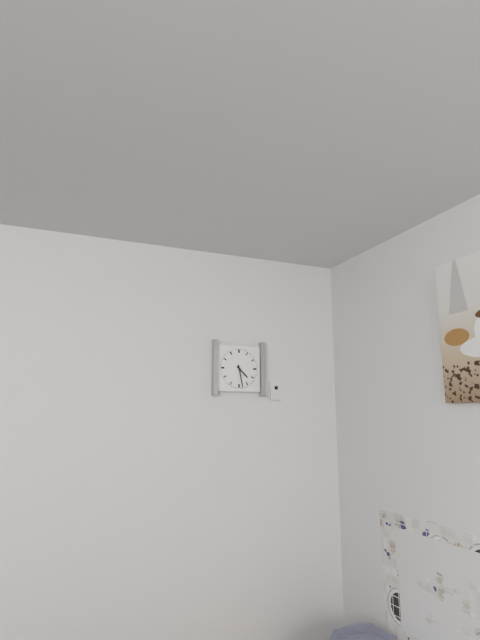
4:28
